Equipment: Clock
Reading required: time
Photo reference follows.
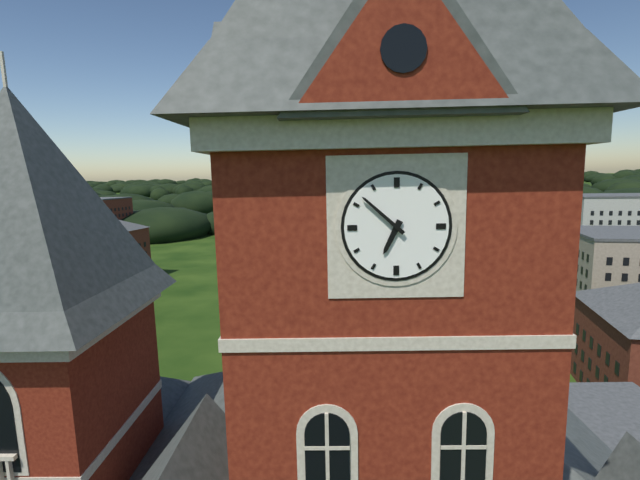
6:52
